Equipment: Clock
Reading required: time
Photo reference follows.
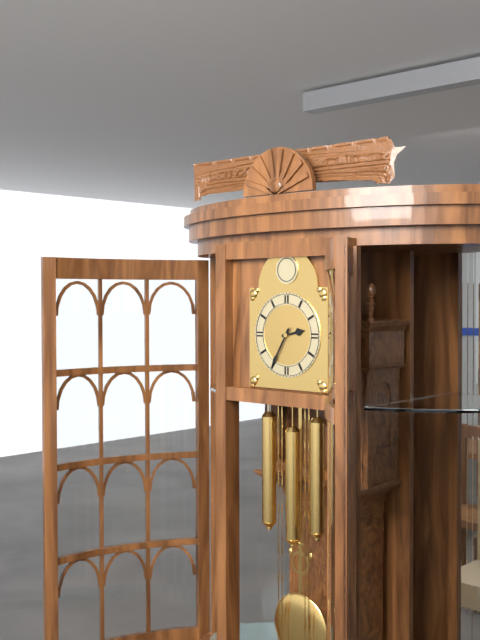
2:35
